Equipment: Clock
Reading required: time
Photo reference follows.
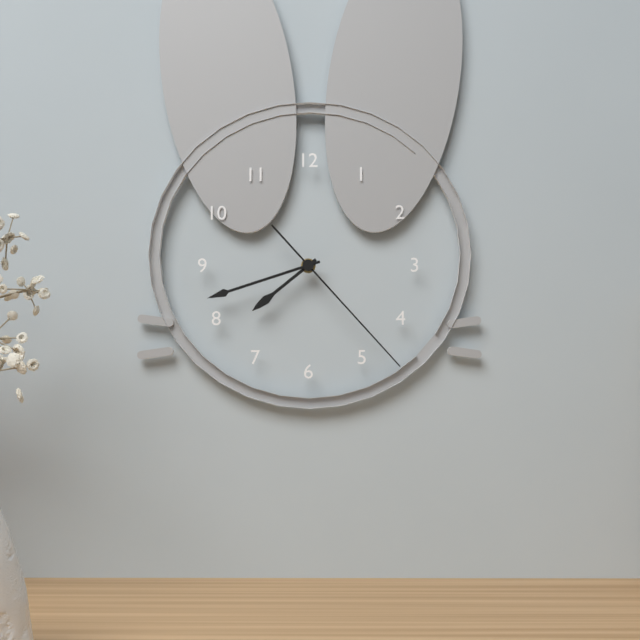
7:42:23
